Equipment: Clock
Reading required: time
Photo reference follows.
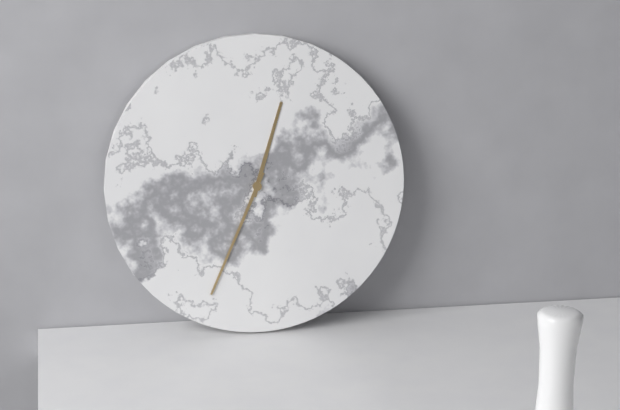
12:34
